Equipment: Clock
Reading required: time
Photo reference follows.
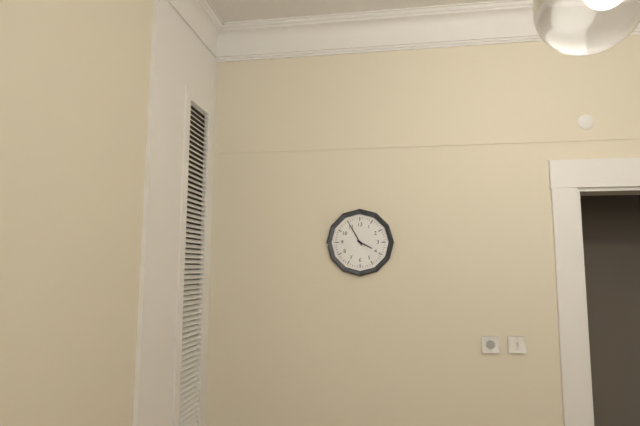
3:55
